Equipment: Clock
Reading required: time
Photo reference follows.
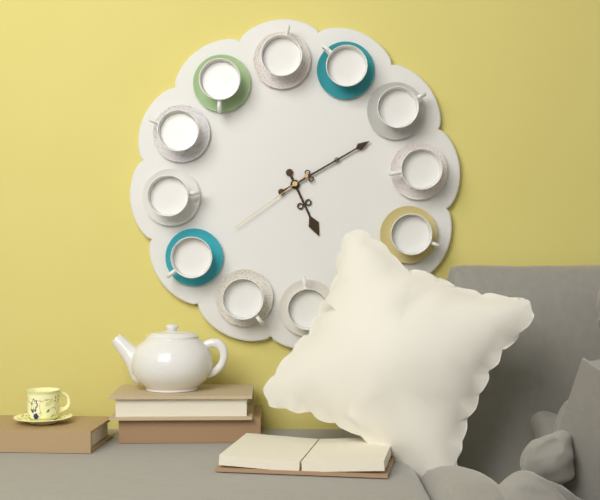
5:10:39
